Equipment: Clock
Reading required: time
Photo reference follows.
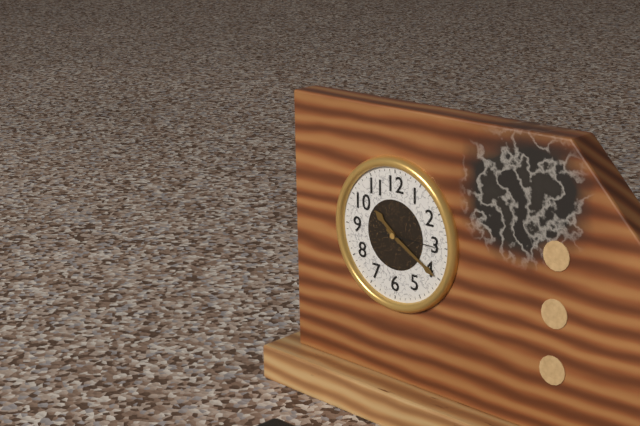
10:20:15
